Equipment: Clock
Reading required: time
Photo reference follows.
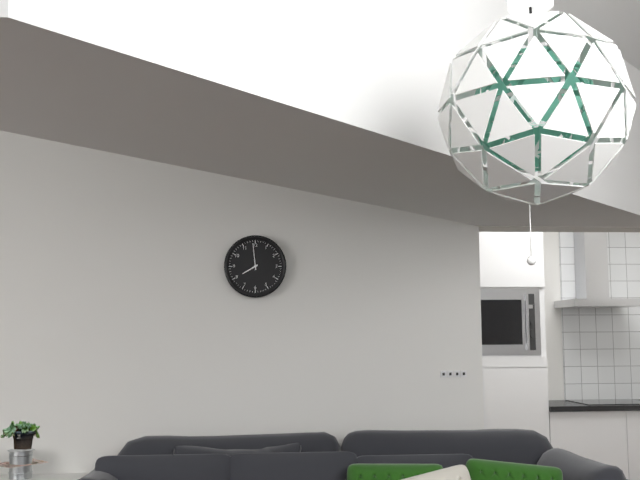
7:59
